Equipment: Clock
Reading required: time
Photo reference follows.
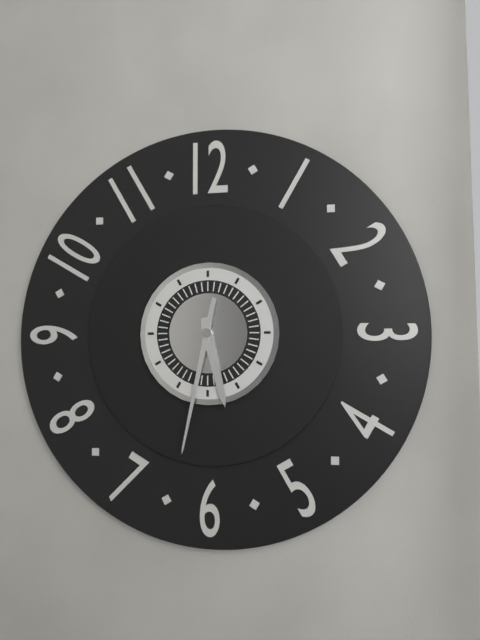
5:32
